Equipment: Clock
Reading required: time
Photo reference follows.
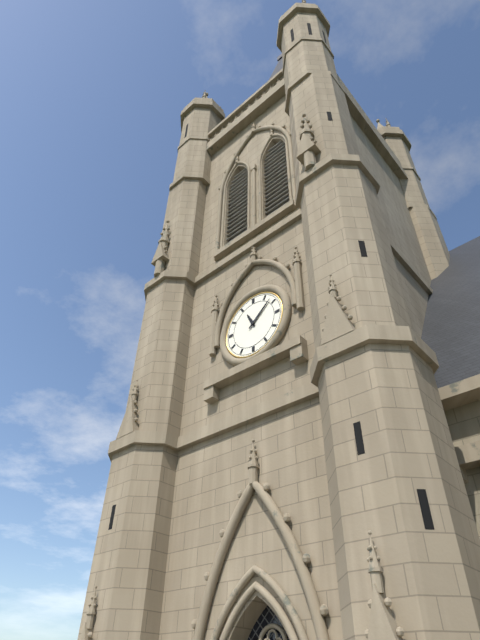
11:08
